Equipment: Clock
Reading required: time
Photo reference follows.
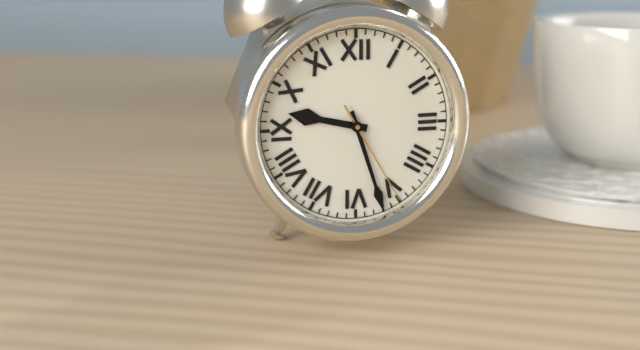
9:27:25
